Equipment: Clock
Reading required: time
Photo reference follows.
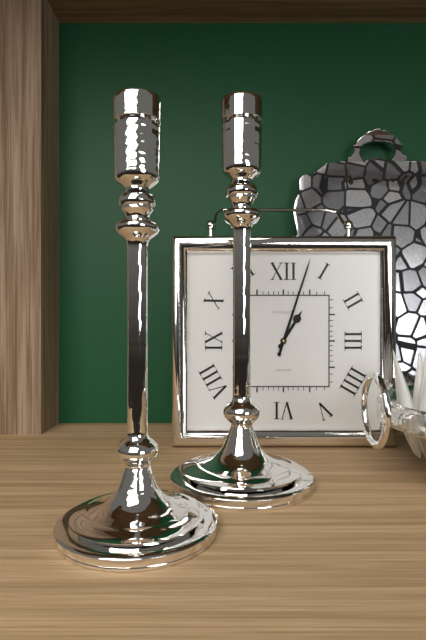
1:03
